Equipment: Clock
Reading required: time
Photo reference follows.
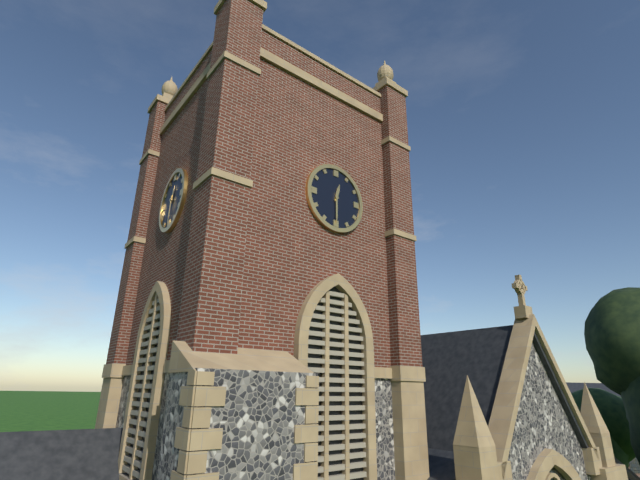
12:30
